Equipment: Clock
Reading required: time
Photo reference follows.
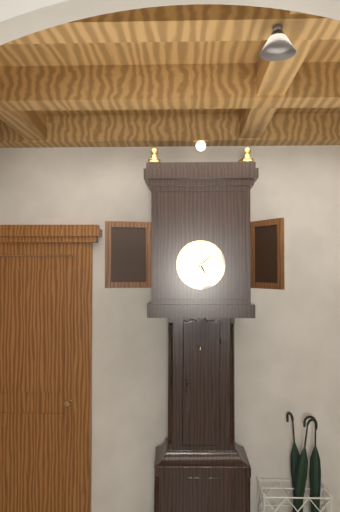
5:08
